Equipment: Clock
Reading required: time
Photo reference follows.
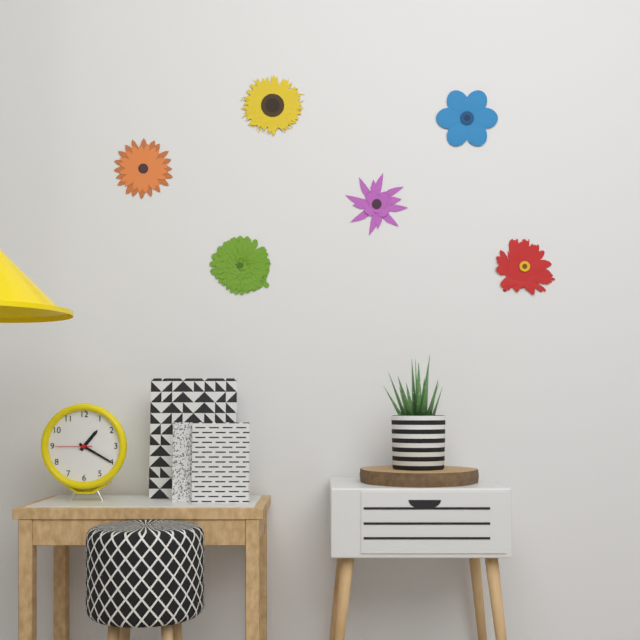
1:20
